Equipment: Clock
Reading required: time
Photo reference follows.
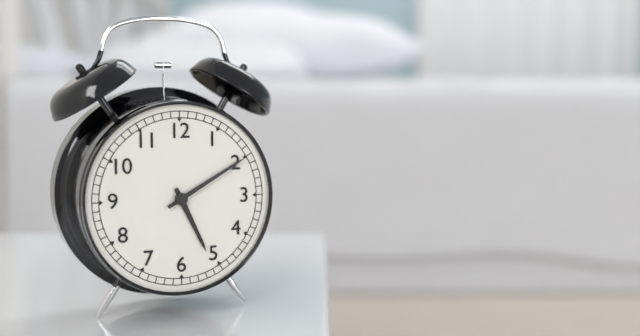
5:10
